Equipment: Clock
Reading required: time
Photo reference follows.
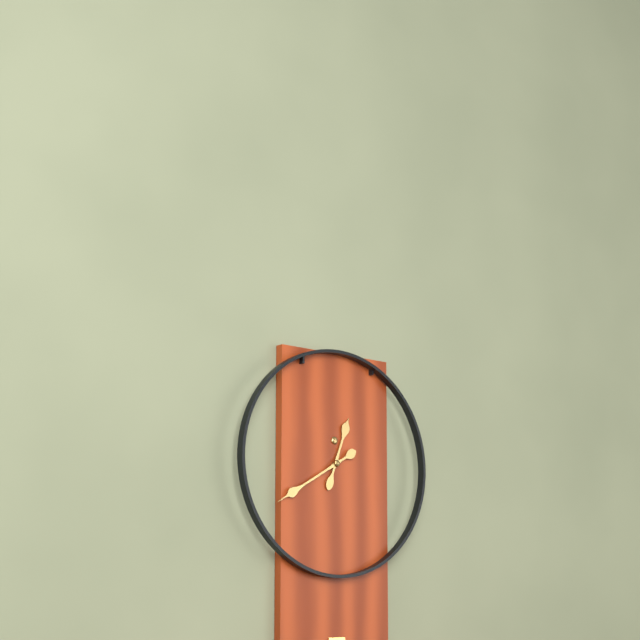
12:40
